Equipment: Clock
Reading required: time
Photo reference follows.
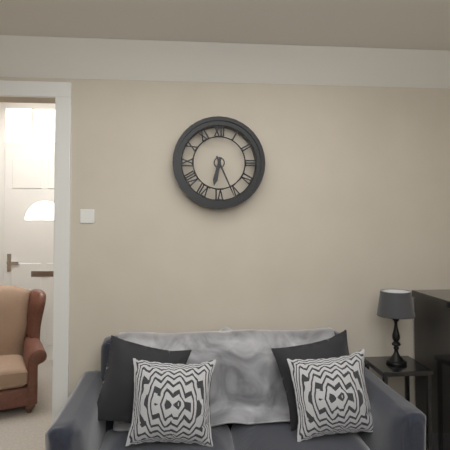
6:26
